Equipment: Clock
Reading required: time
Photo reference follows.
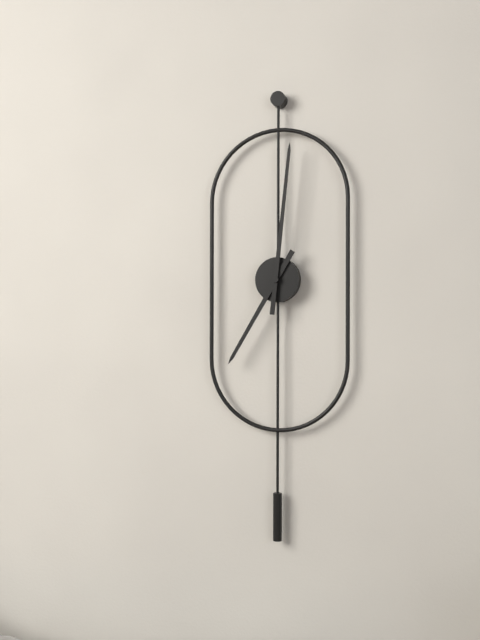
7:01
